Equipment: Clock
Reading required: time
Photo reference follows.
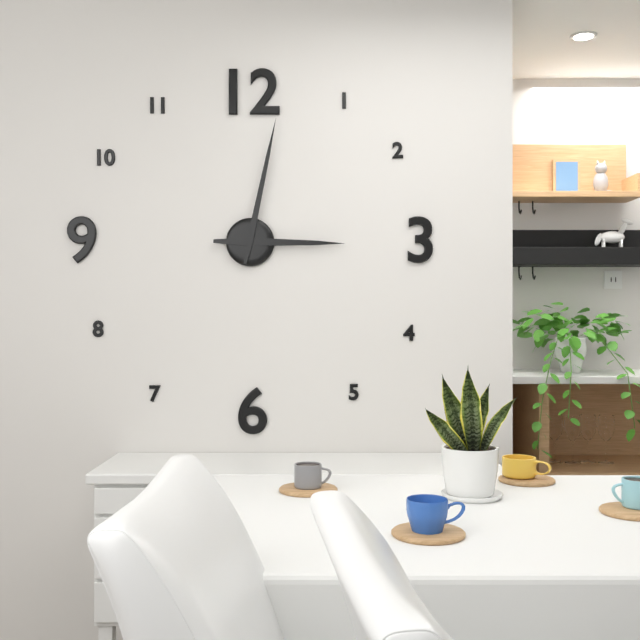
3:02
